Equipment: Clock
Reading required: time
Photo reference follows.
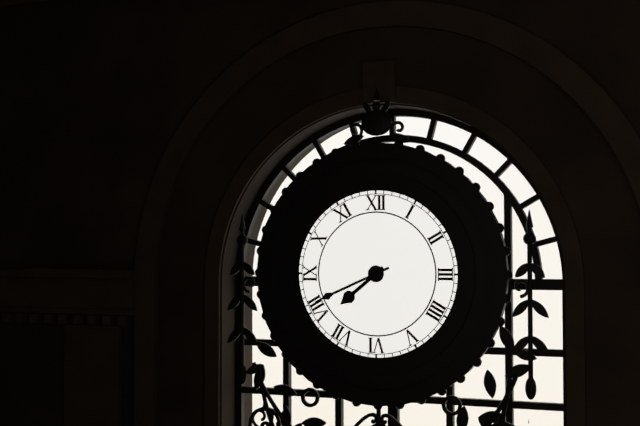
7:41
